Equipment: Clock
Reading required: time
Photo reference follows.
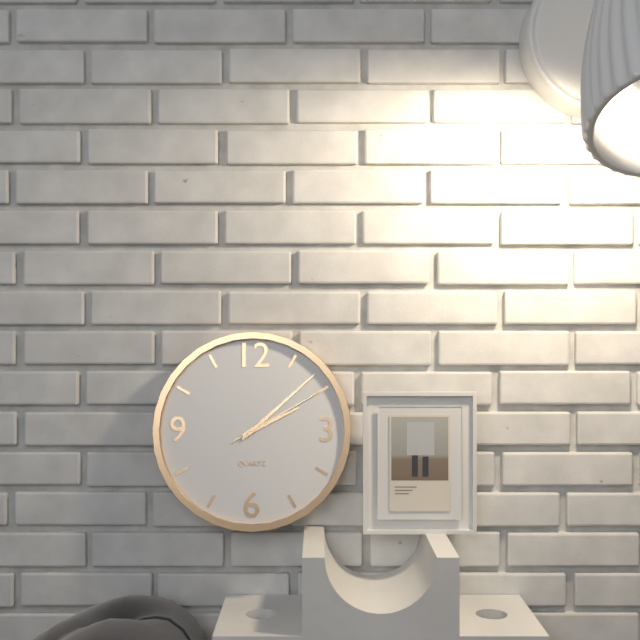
2:08:10
